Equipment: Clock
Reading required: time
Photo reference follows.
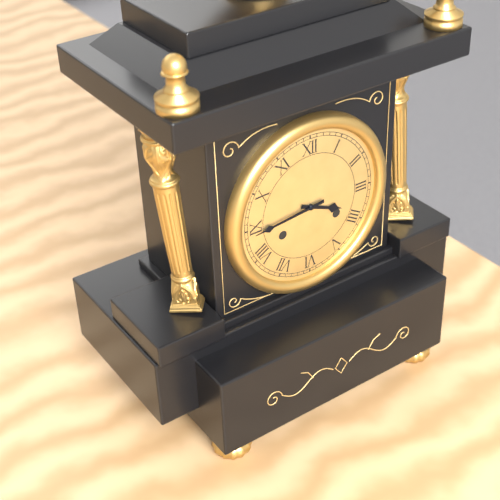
3:44
